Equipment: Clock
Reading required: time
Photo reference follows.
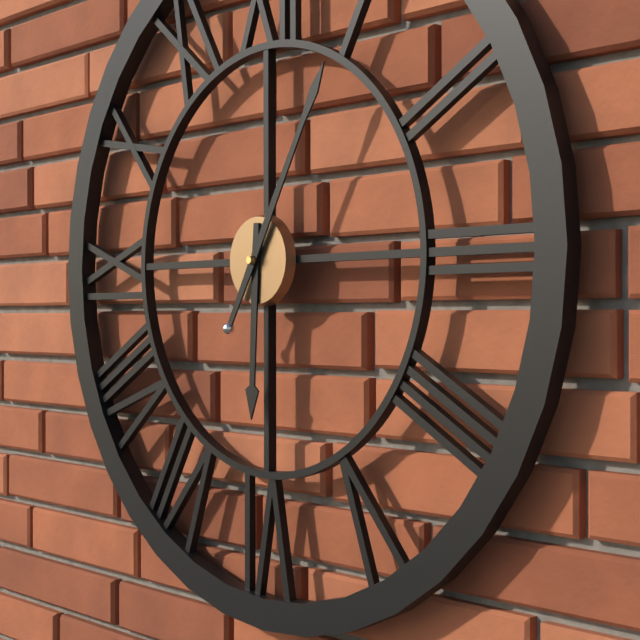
6:05
